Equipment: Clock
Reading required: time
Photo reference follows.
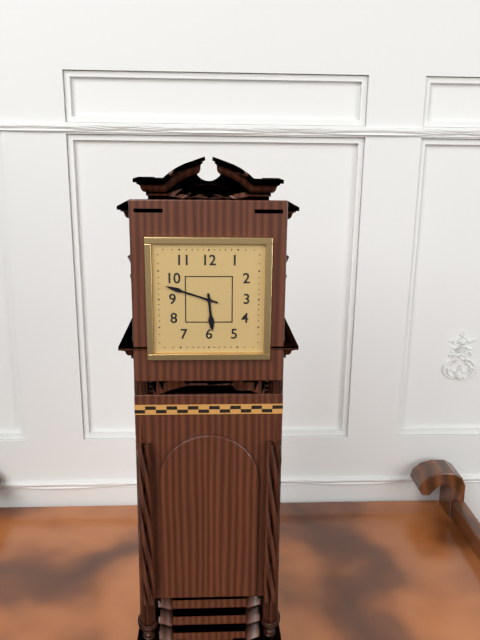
5:48
